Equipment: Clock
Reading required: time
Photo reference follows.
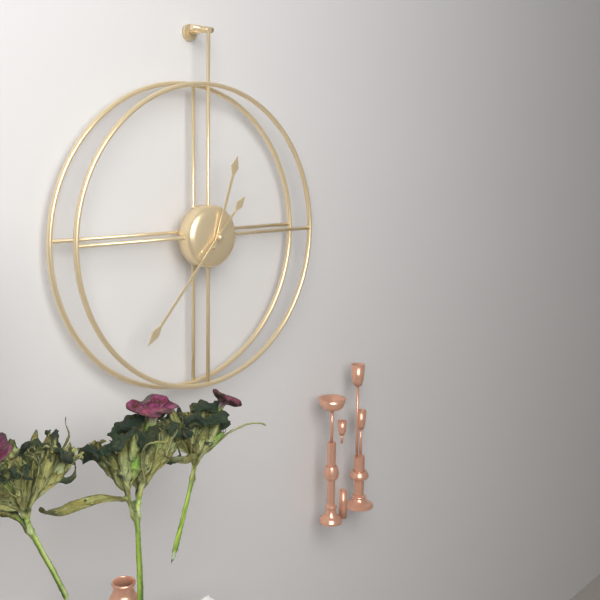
12:37
